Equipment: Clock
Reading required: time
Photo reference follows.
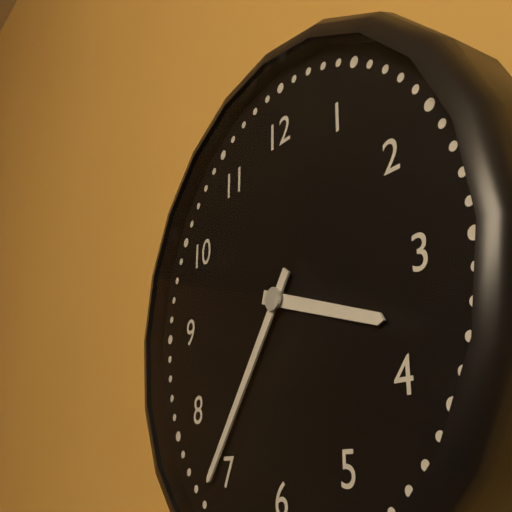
3:36
